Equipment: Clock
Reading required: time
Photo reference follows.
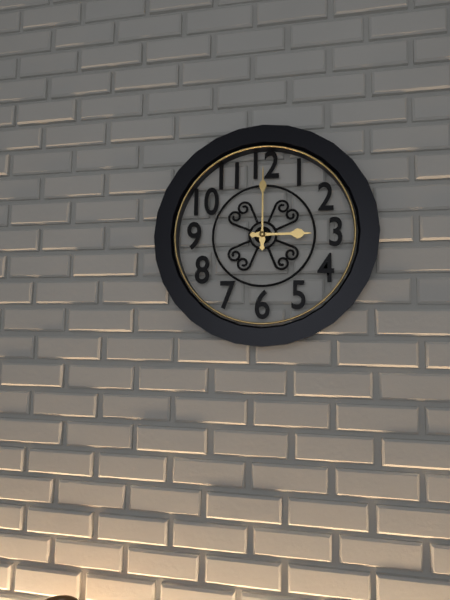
3:00
